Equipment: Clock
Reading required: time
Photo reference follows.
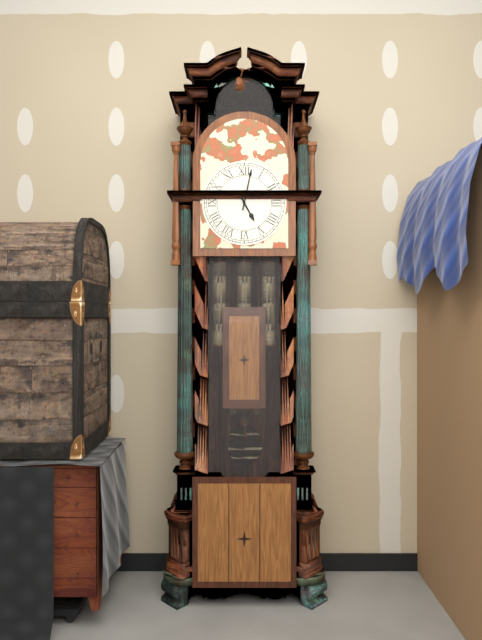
5:02
